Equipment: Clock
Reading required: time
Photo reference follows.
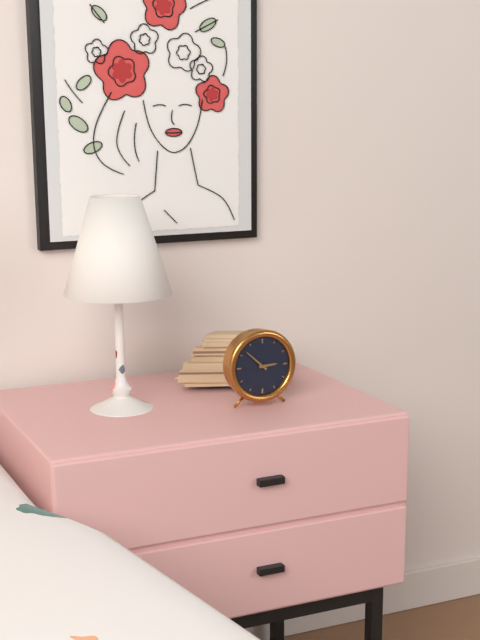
2:52
